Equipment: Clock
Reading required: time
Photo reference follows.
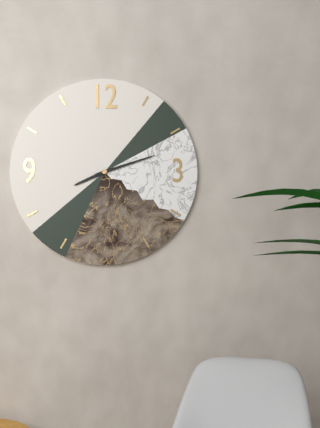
8:12
